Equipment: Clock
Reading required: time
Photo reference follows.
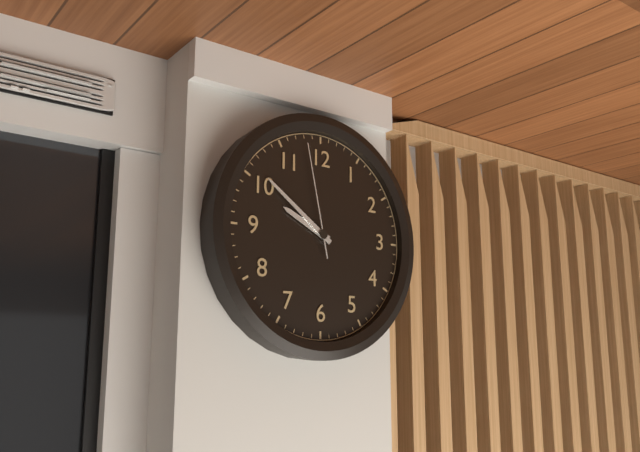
9:51:58
